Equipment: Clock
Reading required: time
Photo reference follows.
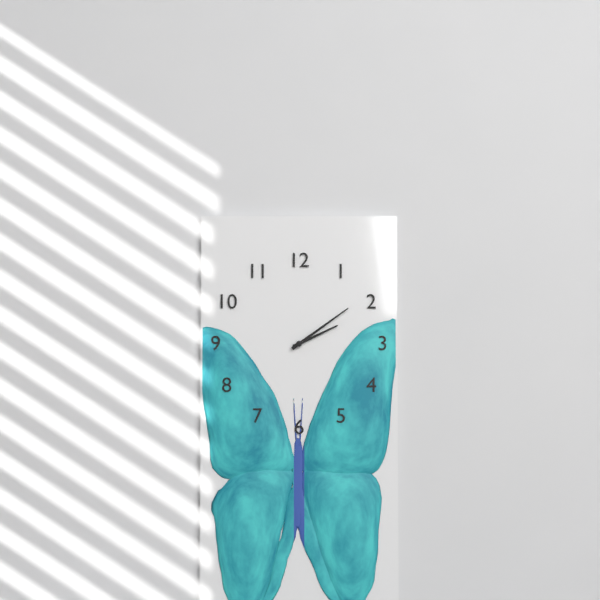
2:09
